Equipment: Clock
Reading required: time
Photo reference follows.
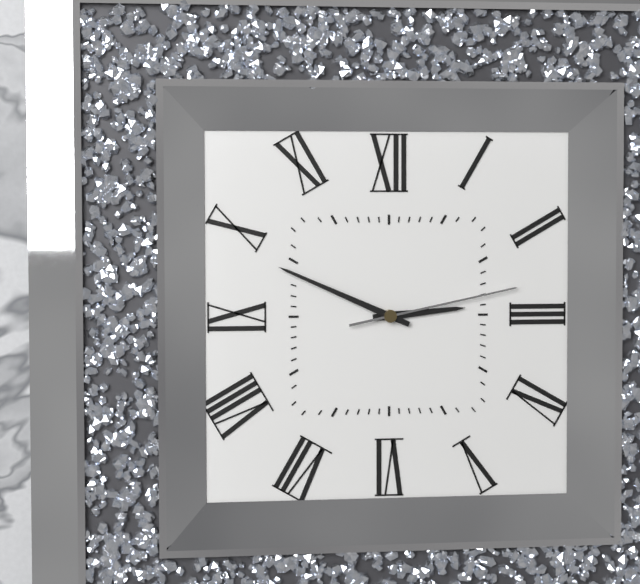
2:49:13
